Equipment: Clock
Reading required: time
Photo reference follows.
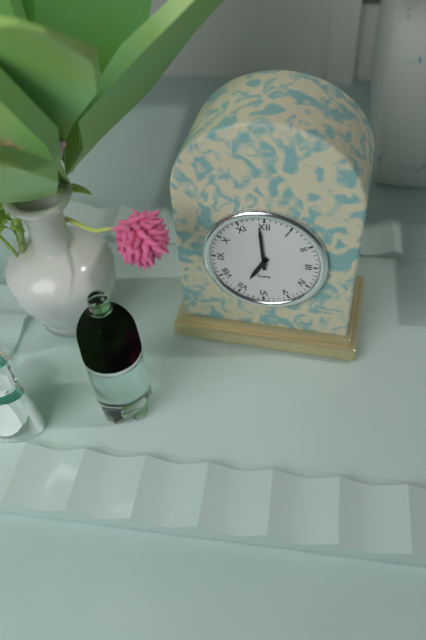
6:59
